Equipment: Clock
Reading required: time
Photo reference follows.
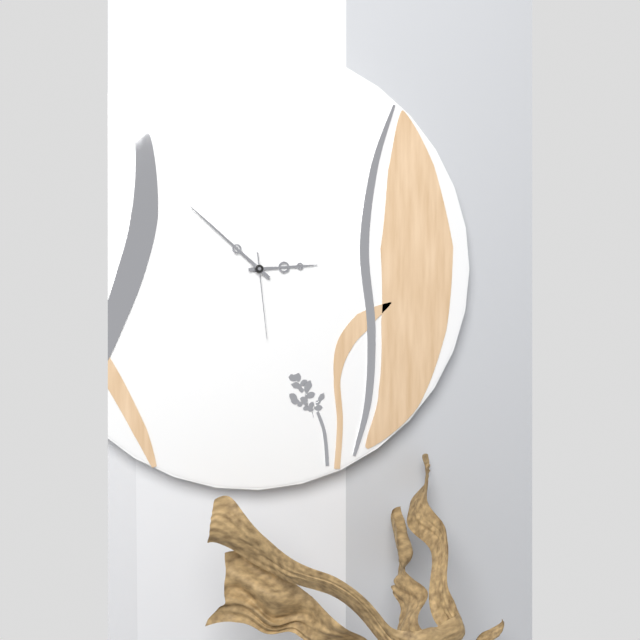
2:52:29
